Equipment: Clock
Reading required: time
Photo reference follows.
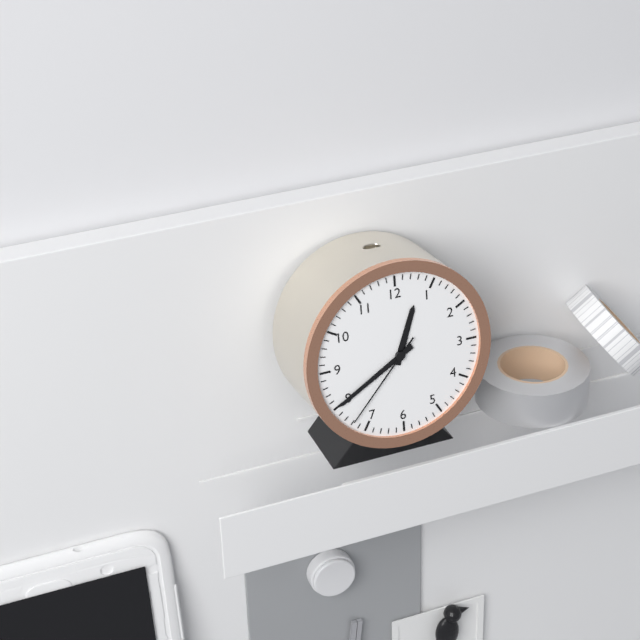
12:40:37
